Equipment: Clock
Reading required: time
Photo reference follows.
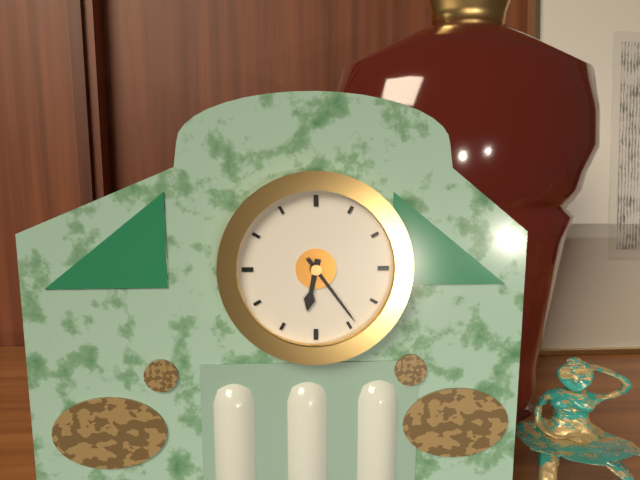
6:24
